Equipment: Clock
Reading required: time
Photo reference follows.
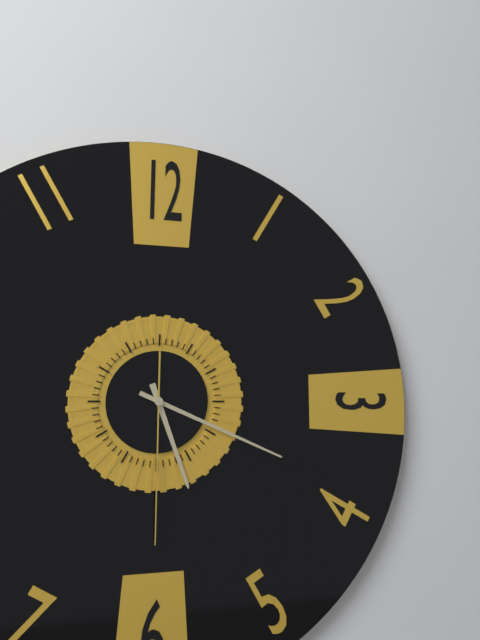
5:19:30
